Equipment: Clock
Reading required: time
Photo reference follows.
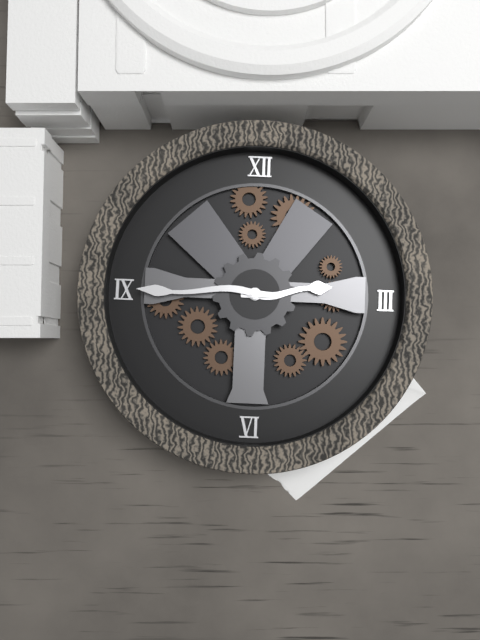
2:45
